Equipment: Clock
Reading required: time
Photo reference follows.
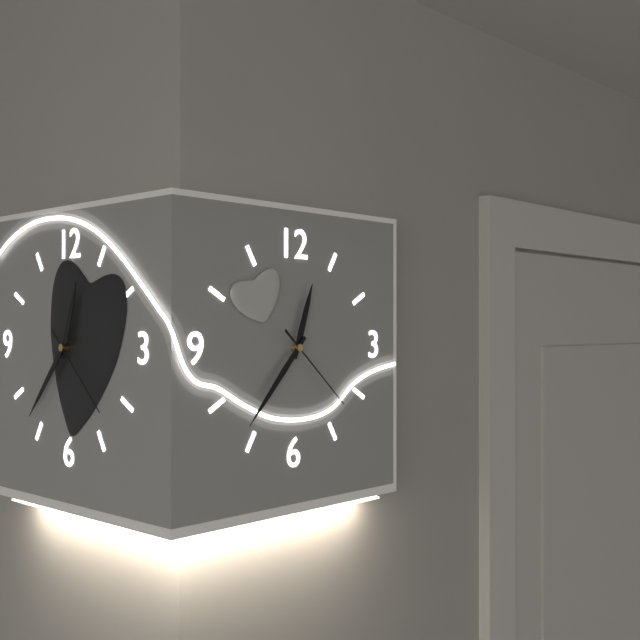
12:37:22
